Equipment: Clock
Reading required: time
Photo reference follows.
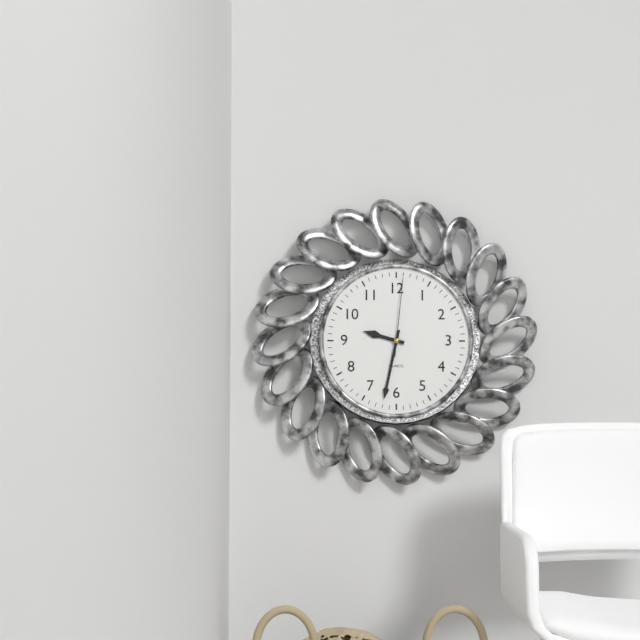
9:32:01
